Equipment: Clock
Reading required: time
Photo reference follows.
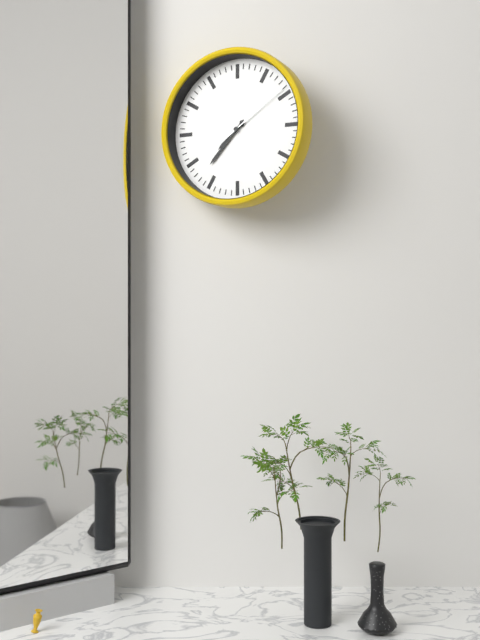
7:37:09
